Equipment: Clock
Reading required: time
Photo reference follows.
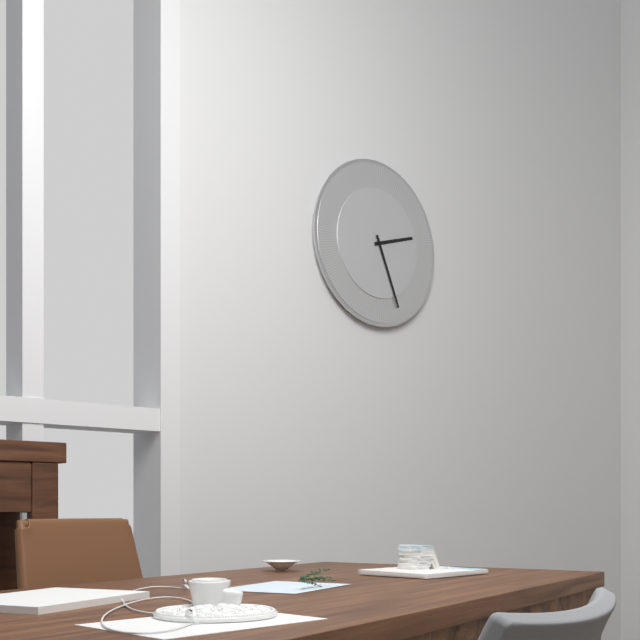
2:26
